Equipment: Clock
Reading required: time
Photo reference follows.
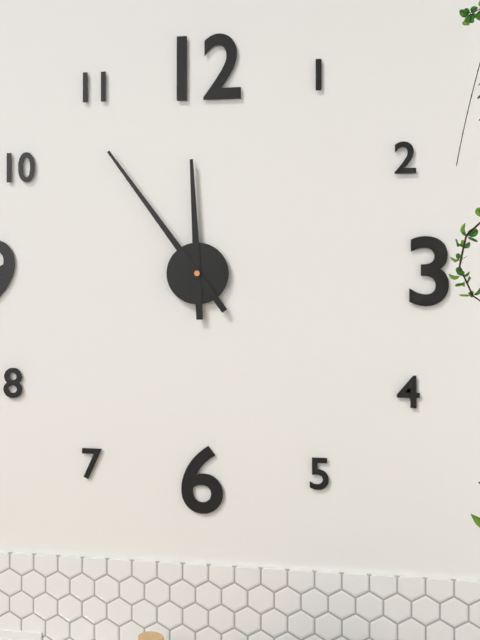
11:54
